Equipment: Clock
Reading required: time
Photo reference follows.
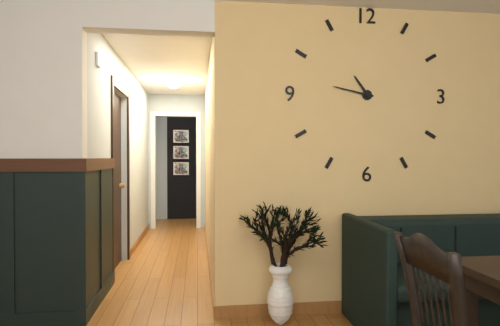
10:47
